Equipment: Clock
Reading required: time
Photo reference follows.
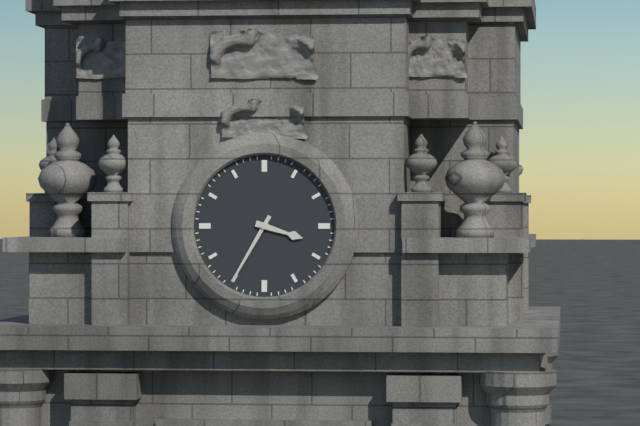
3:35
